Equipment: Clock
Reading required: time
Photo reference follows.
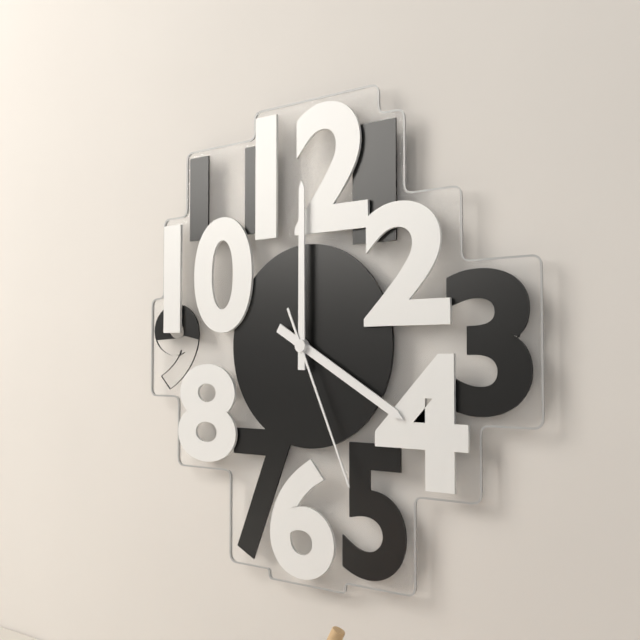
4:00:26
